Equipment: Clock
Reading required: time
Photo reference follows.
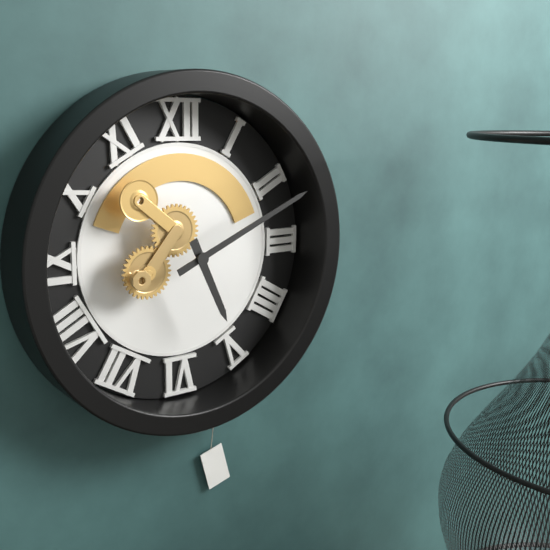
5:11
